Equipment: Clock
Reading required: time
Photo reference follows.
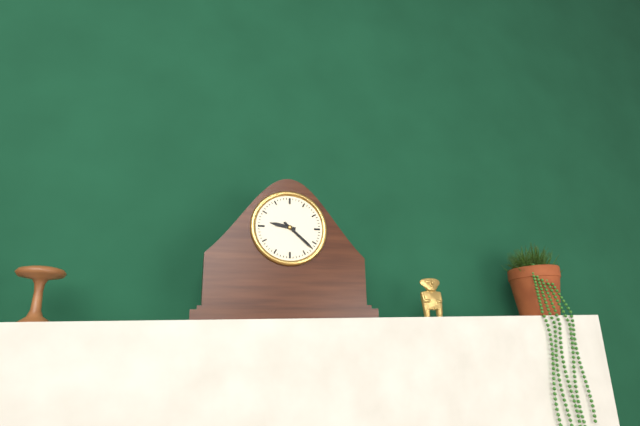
9:22
